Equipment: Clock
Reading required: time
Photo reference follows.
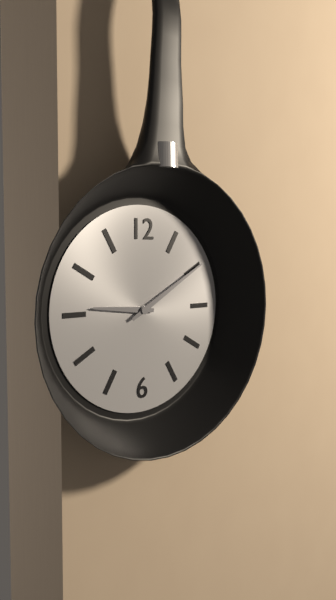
9:10
